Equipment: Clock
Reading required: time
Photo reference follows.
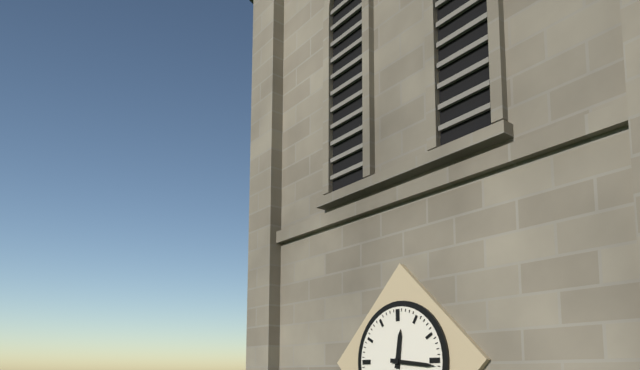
12:16
